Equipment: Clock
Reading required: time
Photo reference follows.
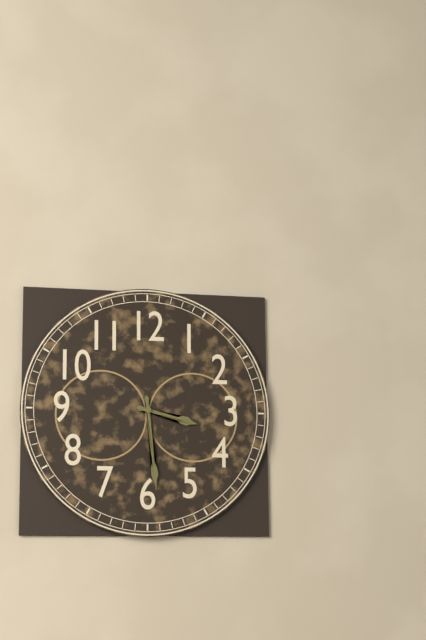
3:29
